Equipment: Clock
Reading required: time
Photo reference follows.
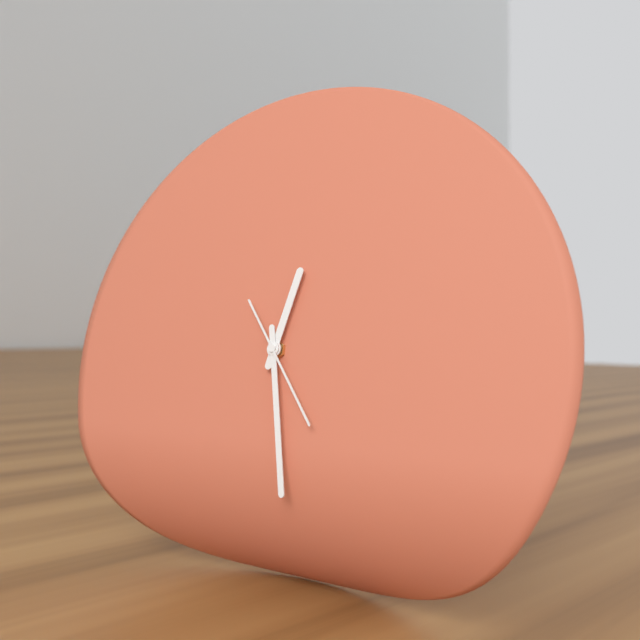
12:28:24
